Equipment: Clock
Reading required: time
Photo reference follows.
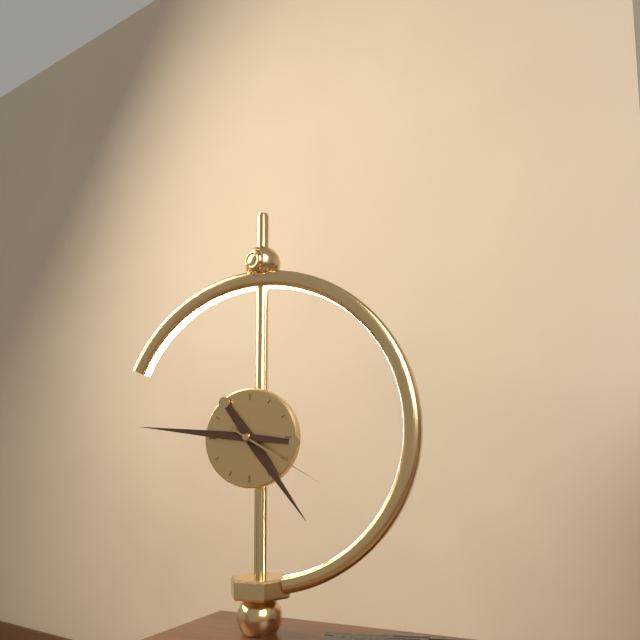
4:46:20
